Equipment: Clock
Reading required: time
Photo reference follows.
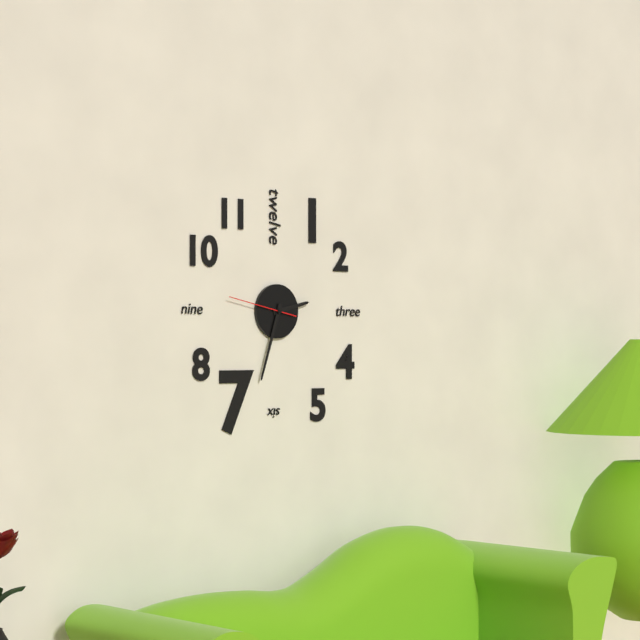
2:33:47
